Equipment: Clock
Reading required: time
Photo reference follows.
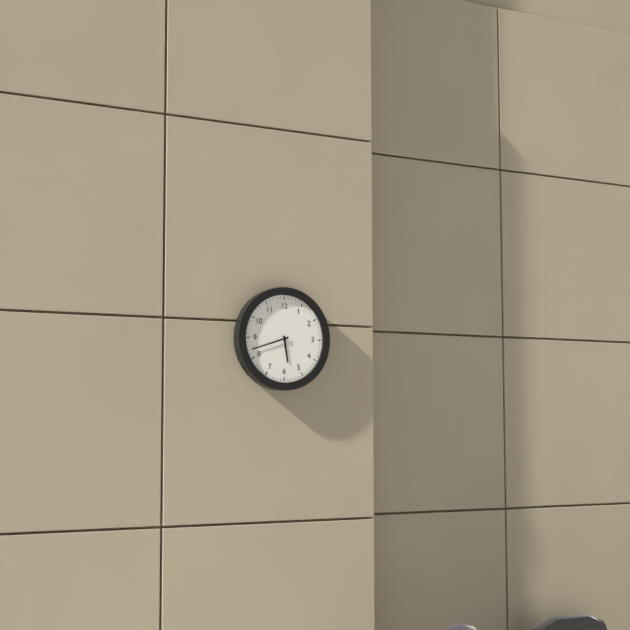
5:42
